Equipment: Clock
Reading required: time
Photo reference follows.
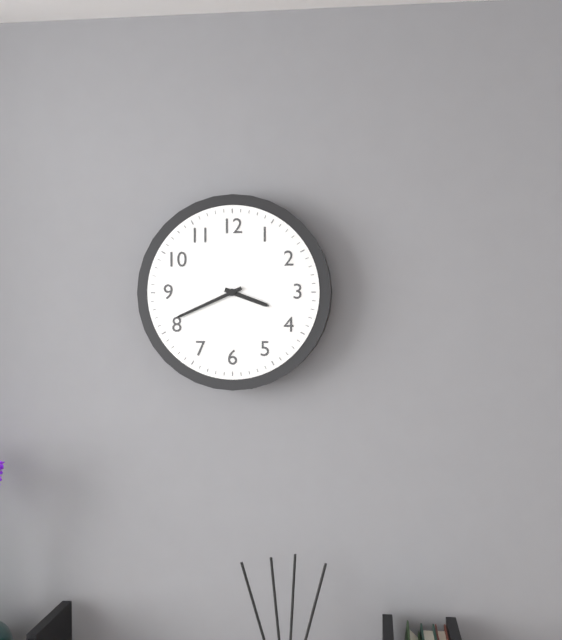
3:41
